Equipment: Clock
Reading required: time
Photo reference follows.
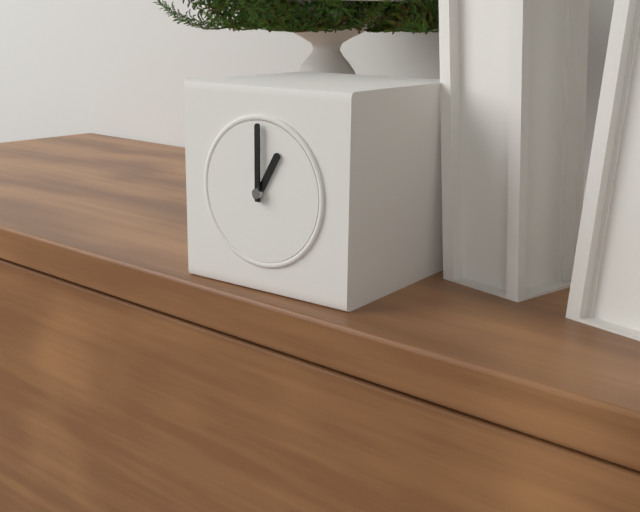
1:00
